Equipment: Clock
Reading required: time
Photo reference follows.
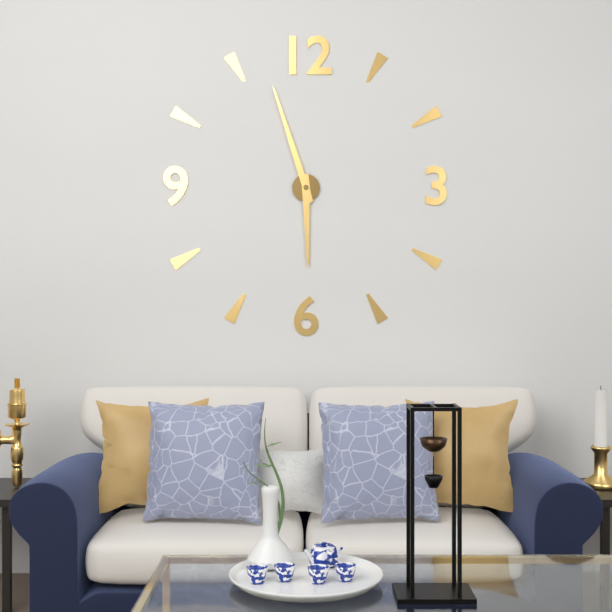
5:57
